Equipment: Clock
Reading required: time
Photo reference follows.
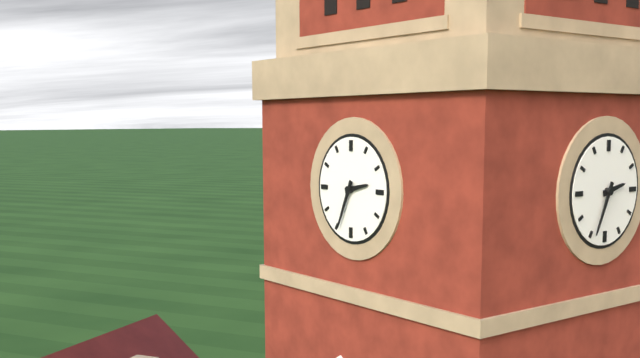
2:34
